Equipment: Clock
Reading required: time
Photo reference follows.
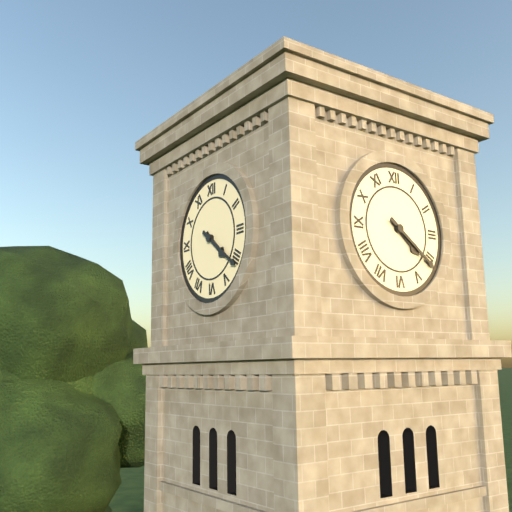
4:21
